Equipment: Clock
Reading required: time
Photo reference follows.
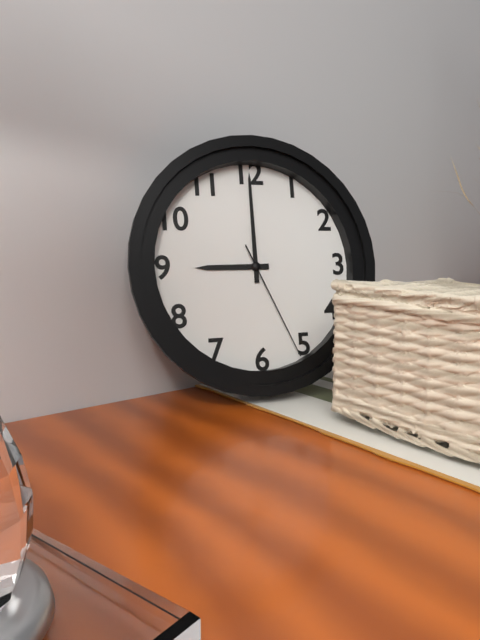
9:00:26
